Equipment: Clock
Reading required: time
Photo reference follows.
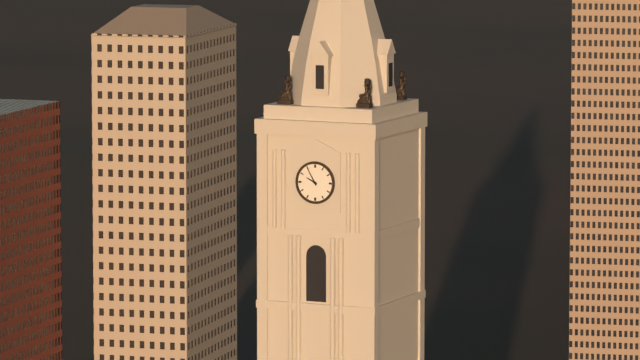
9:55
